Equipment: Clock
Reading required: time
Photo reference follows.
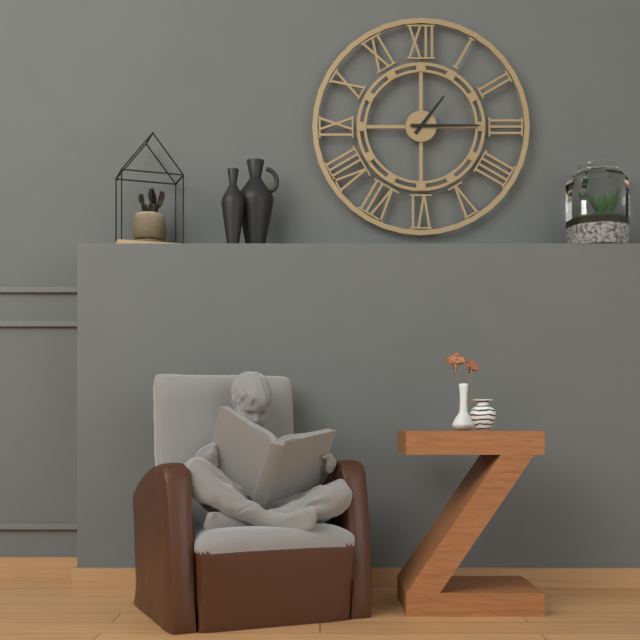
1:15
